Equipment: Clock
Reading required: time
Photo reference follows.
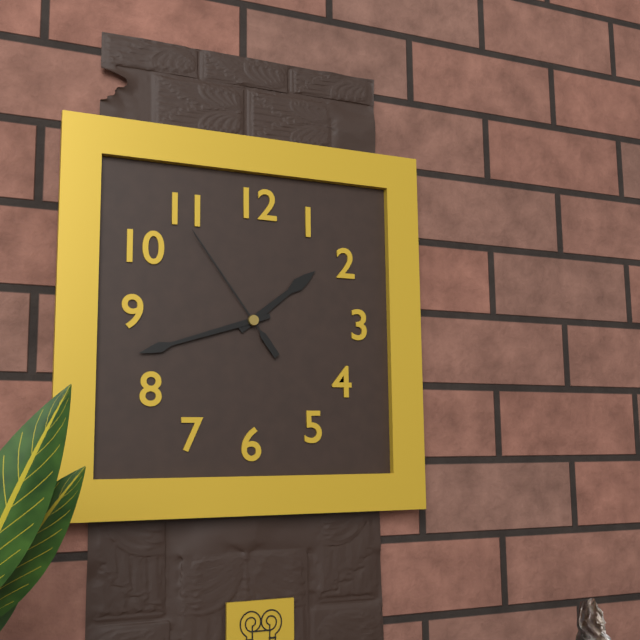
1:42:54
